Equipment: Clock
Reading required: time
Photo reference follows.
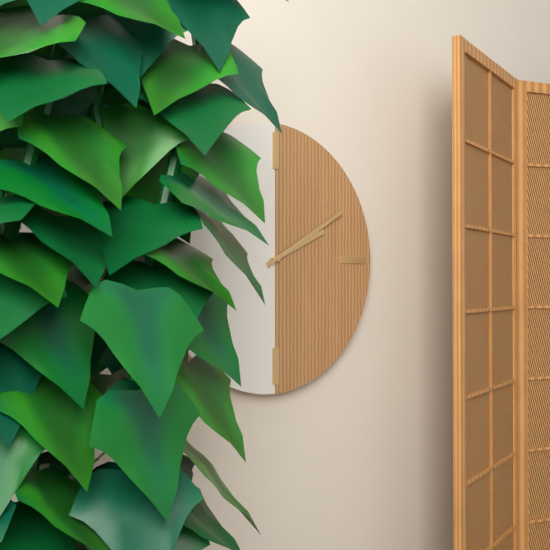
2:10
